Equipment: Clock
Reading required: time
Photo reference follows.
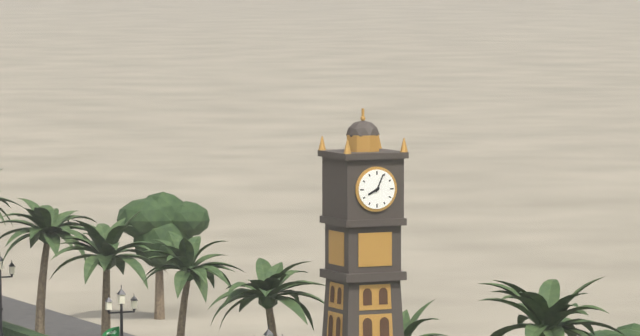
8:04
